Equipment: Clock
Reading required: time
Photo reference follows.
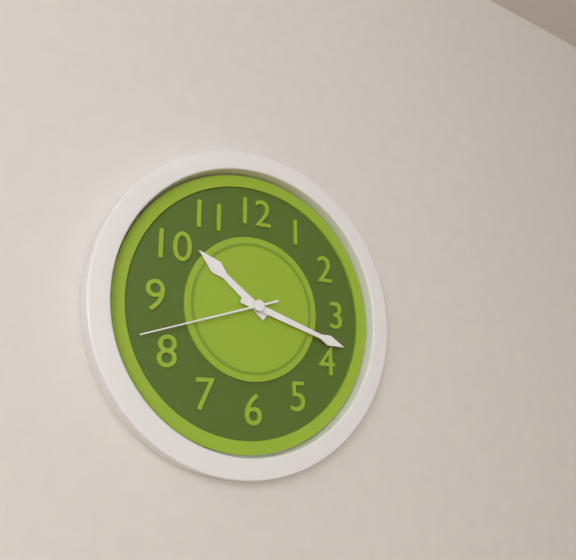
10:18:42
